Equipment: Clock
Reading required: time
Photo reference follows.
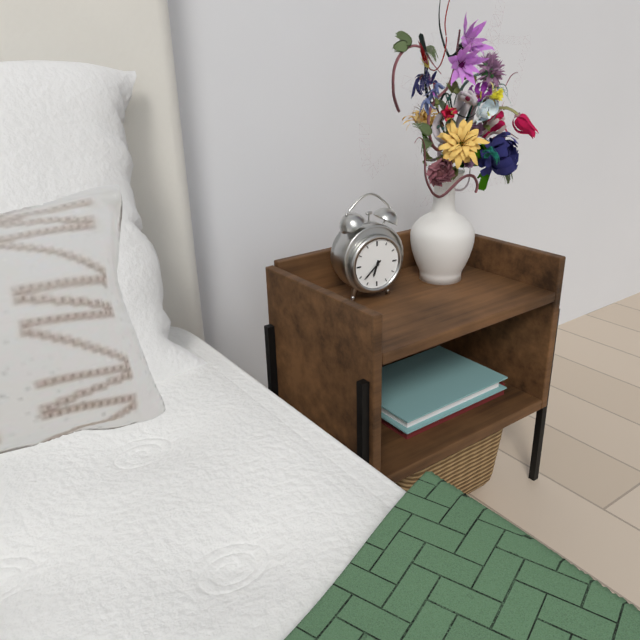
6:38
